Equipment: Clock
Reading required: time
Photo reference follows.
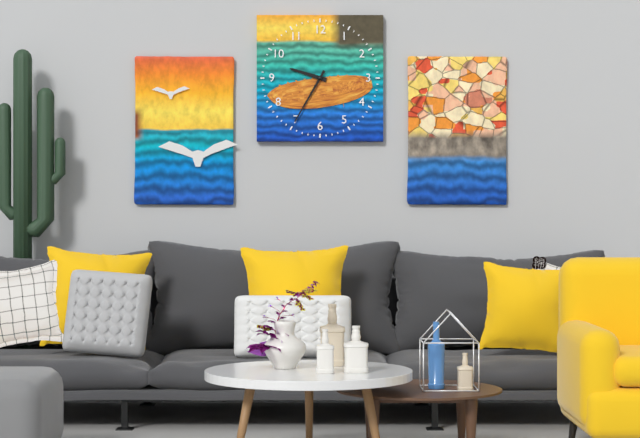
9:35
